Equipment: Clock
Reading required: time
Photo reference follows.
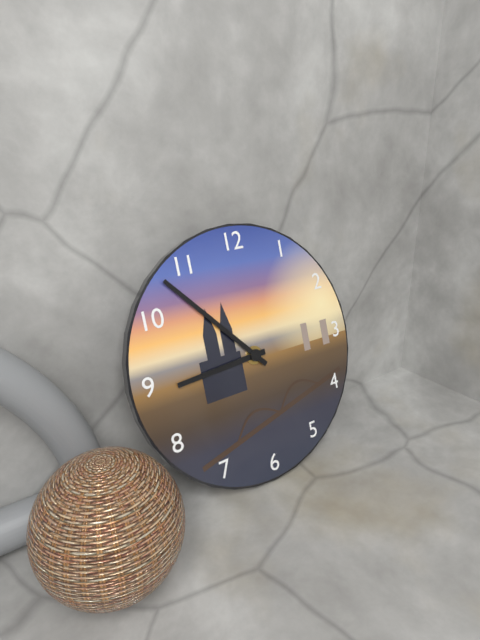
8:53
